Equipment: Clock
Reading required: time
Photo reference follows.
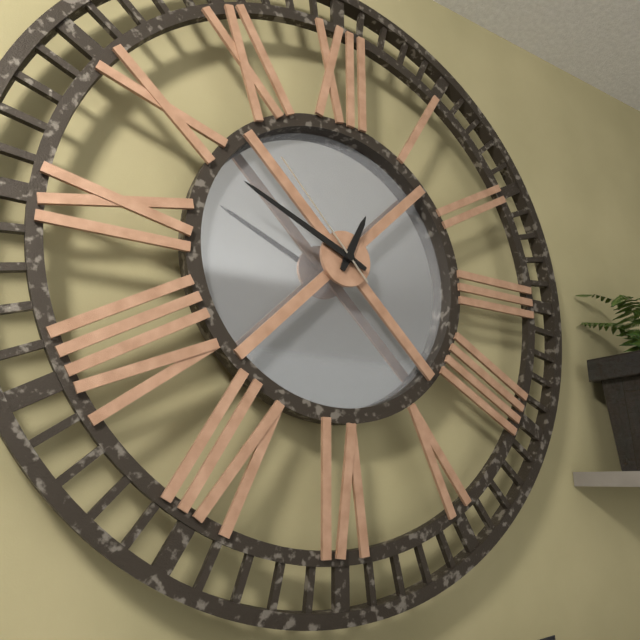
12:49:53
